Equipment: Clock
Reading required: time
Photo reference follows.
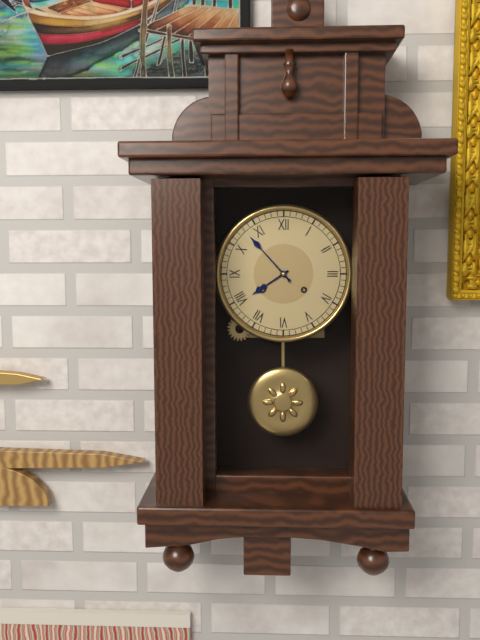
7:53
